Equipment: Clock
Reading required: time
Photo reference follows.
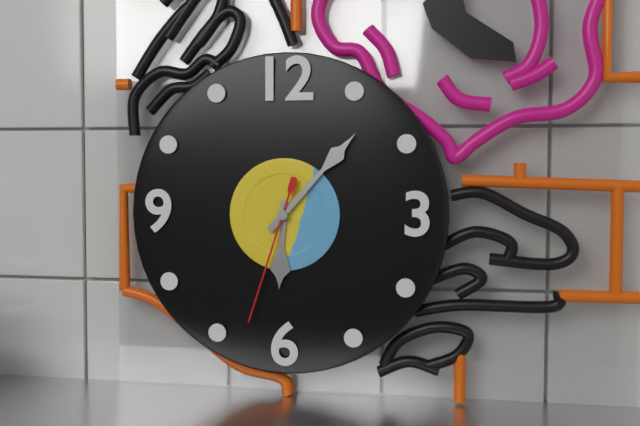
6:07:33
